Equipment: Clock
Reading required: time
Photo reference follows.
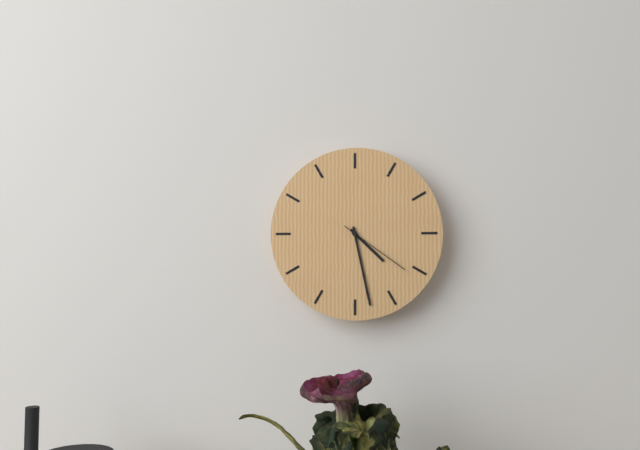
4:28:21
